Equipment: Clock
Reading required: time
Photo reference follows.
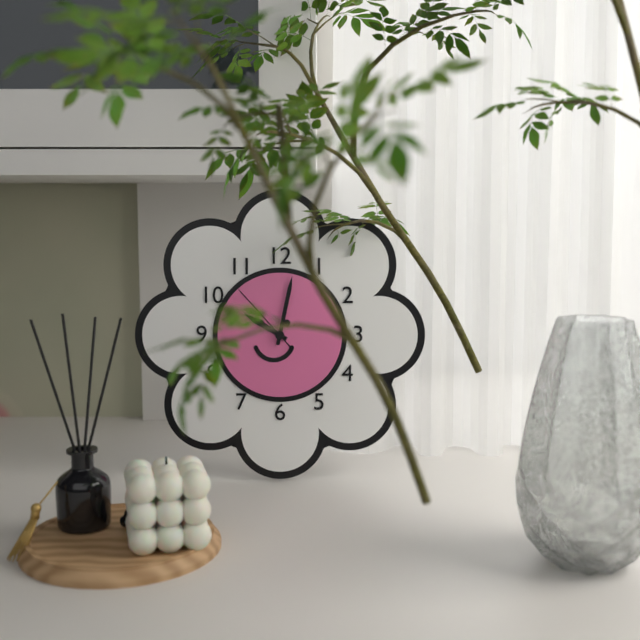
10:02:53
